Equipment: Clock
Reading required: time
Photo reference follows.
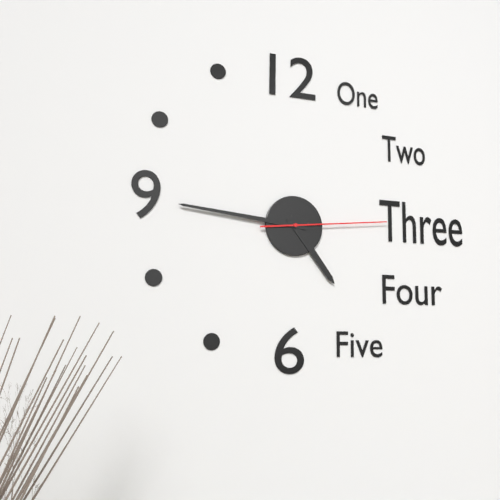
4:46:14
